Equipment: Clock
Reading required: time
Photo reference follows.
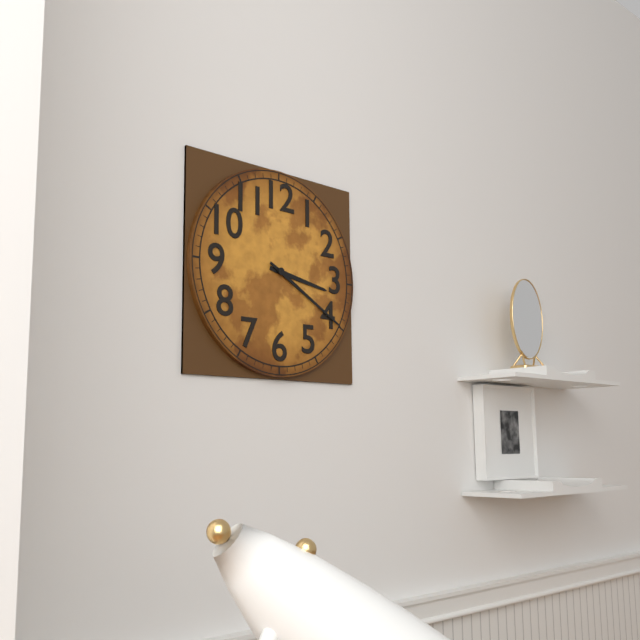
3:20
